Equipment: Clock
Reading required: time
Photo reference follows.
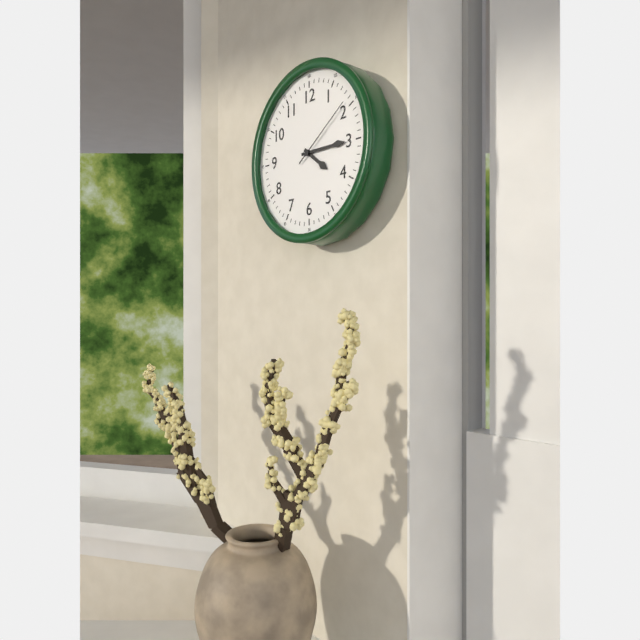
4:15:09
